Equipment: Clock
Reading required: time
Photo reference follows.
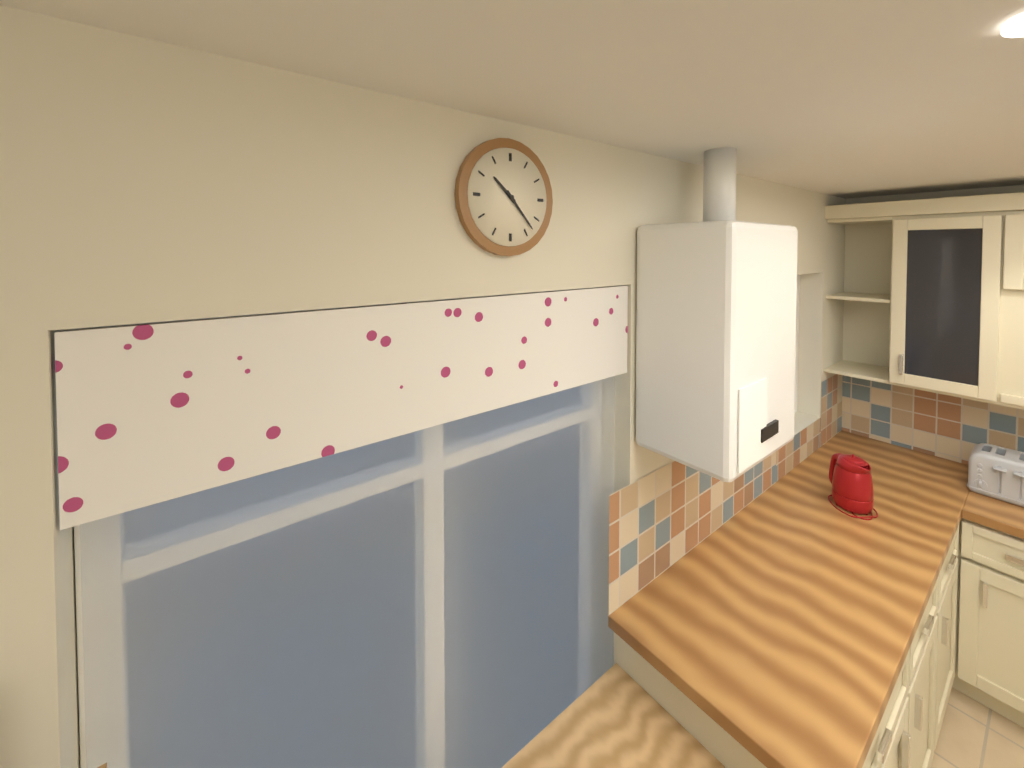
10:23
